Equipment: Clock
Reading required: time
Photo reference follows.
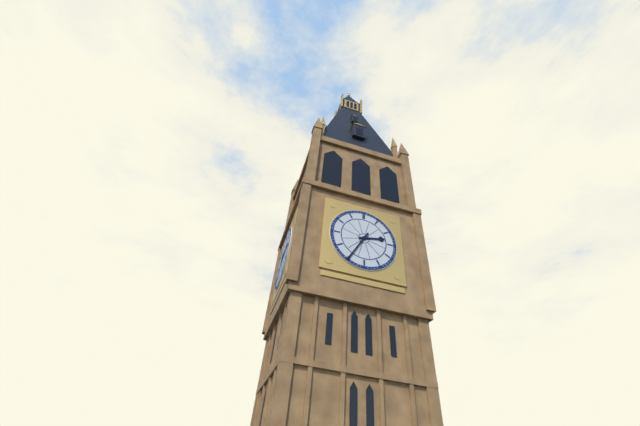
2:35
